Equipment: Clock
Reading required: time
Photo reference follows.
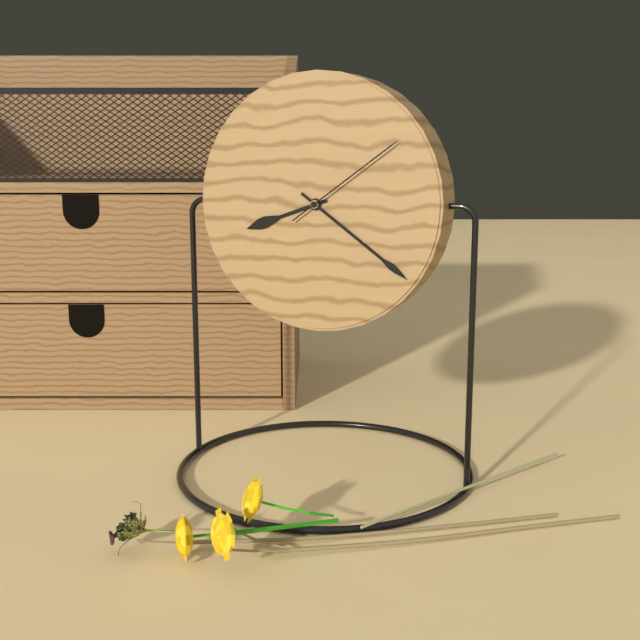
8:21:09
